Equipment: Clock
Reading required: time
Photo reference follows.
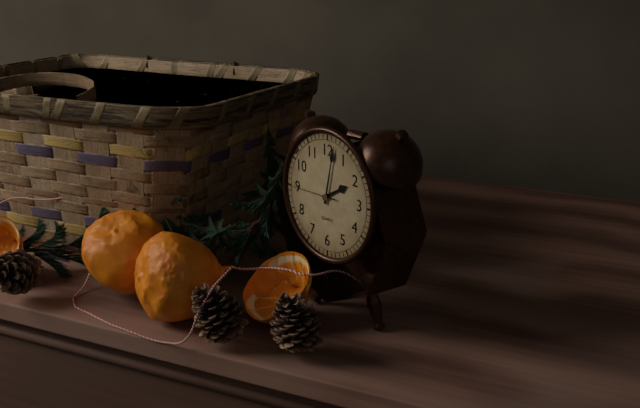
2:02
